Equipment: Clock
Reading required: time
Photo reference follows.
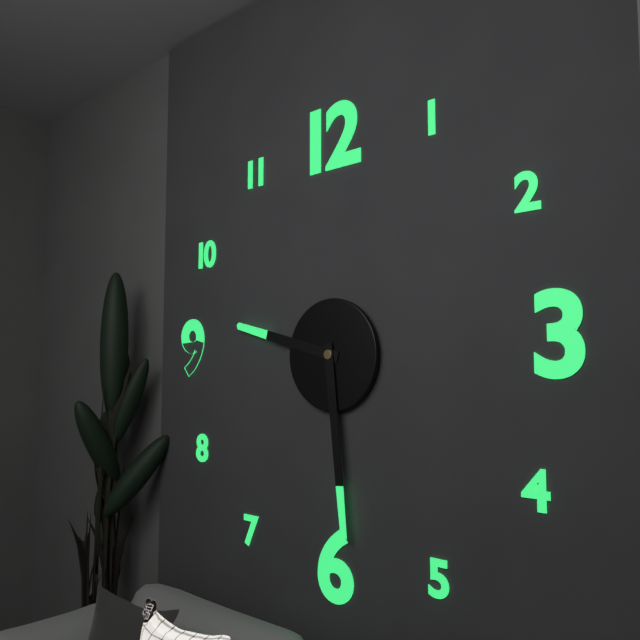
9:29
